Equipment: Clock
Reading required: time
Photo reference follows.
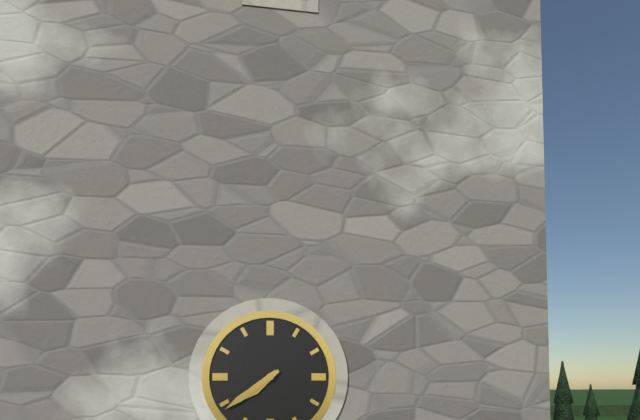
7:39
